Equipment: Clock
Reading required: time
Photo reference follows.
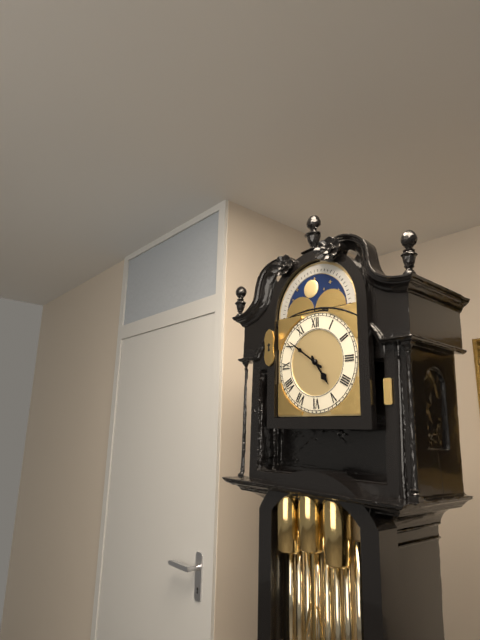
4:51
